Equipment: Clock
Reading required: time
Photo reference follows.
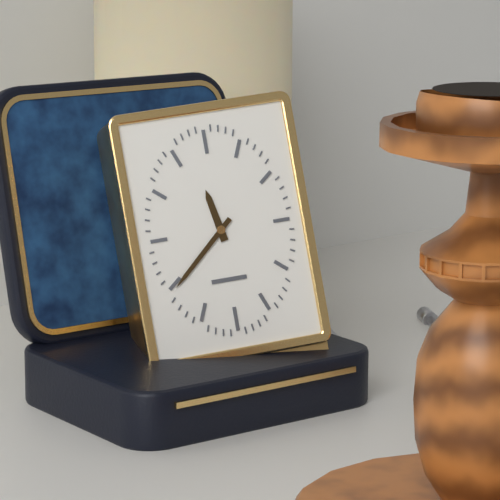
11:38
